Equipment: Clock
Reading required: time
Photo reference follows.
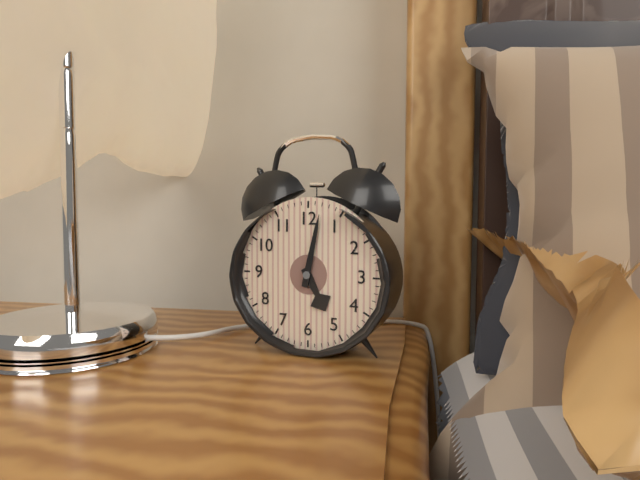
5:02
